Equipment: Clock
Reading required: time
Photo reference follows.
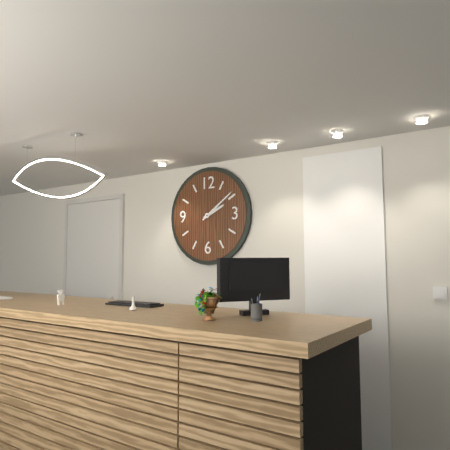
2:09
